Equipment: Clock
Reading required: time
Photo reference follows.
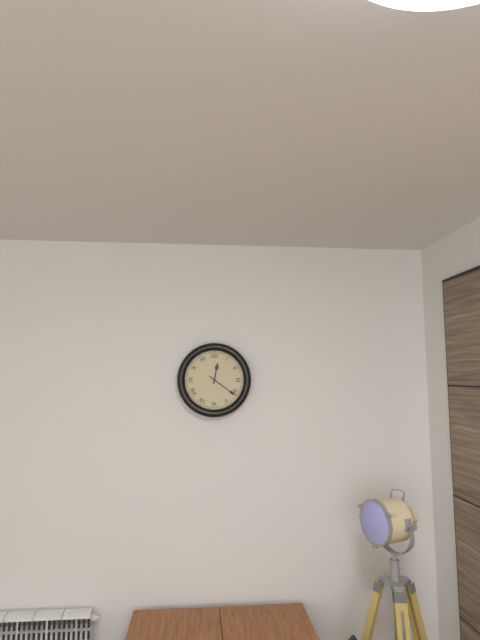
12:21
